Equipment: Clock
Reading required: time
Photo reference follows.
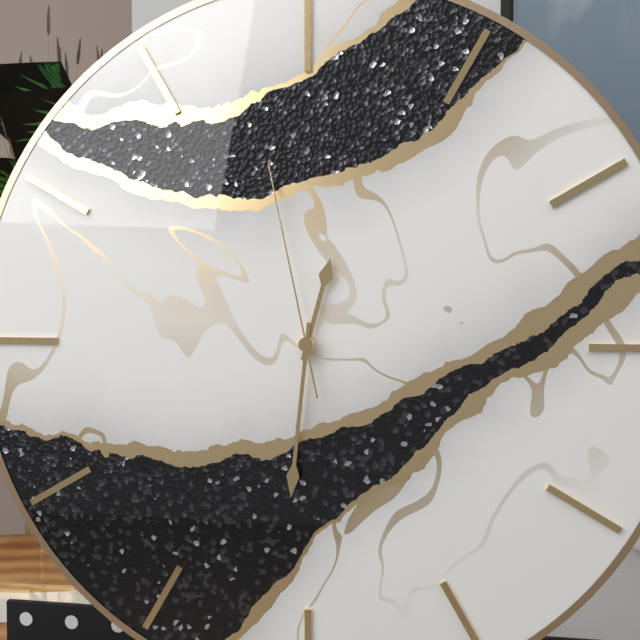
12:31:58
